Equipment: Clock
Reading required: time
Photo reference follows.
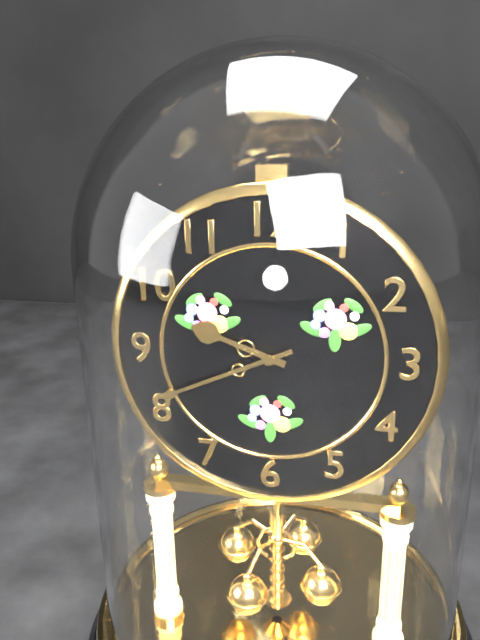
9:41
